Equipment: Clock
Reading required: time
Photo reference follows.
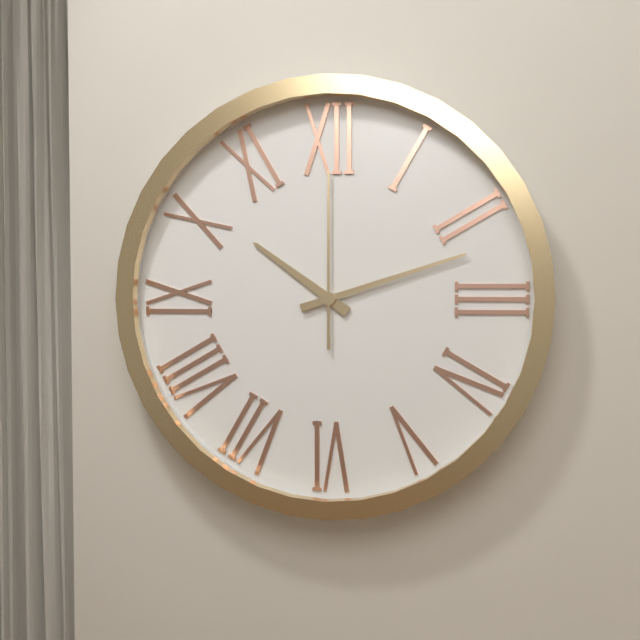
10:12:00
